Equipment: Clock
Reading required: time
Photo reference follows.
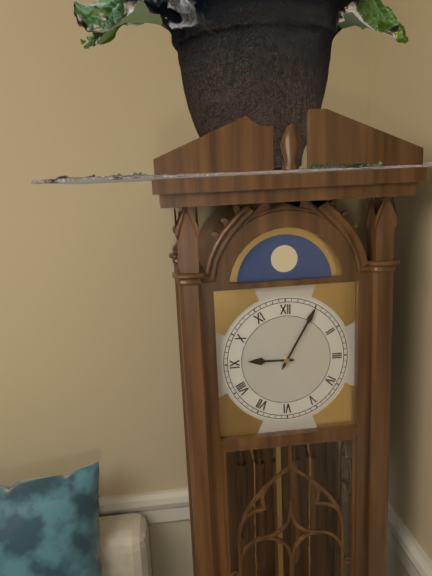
9:05
